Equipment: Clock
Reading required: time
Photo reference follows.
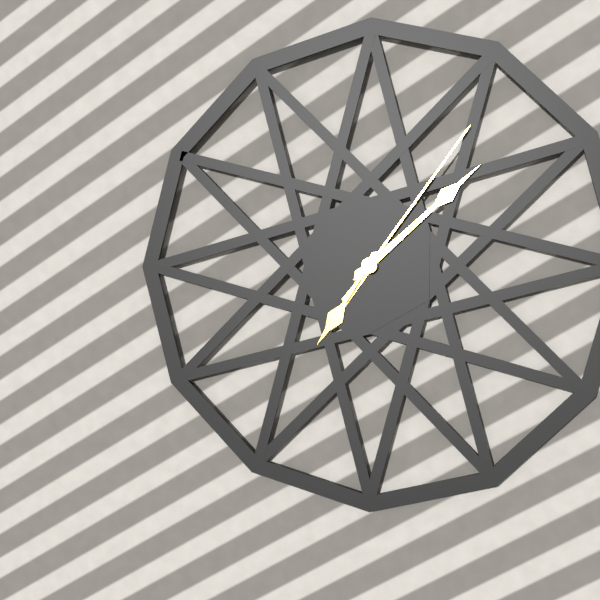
7:08:06
